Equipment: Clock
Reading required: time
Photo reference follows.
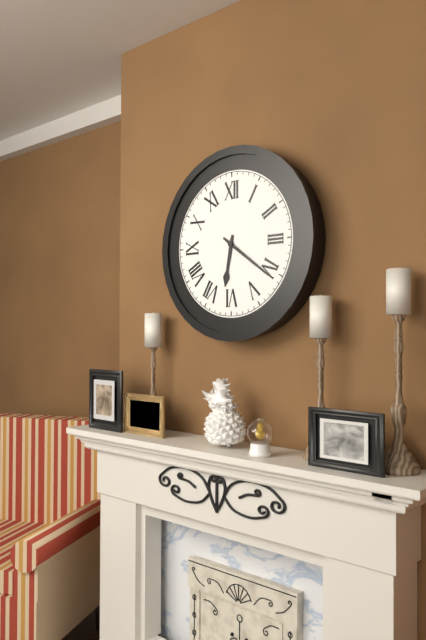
6:21
